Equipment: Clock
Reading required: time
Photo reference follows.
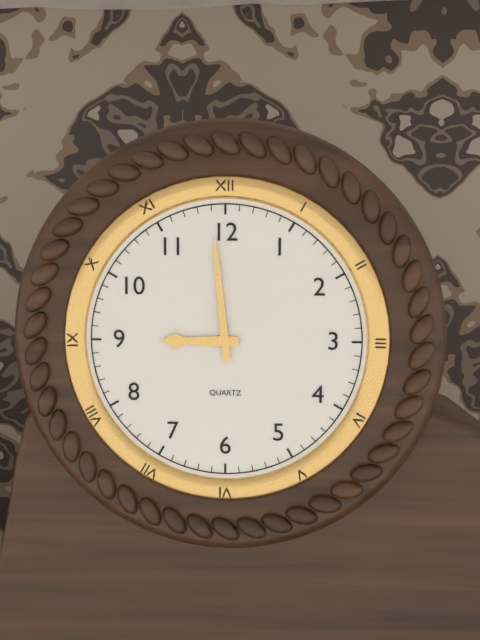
8:59
